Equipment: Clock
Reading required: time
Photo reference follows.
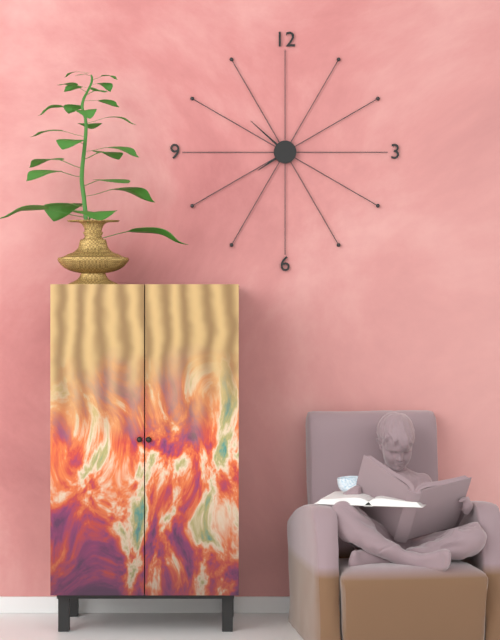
7:52
